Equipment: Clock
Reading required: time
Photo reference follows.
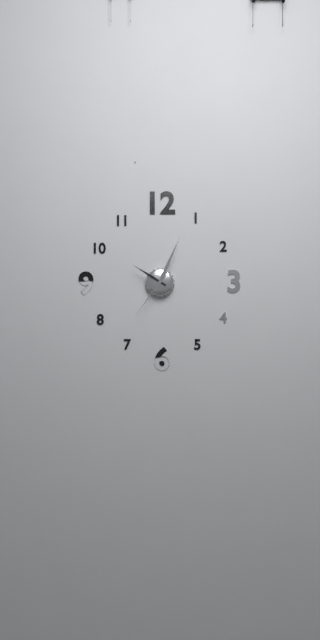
10:04:36
